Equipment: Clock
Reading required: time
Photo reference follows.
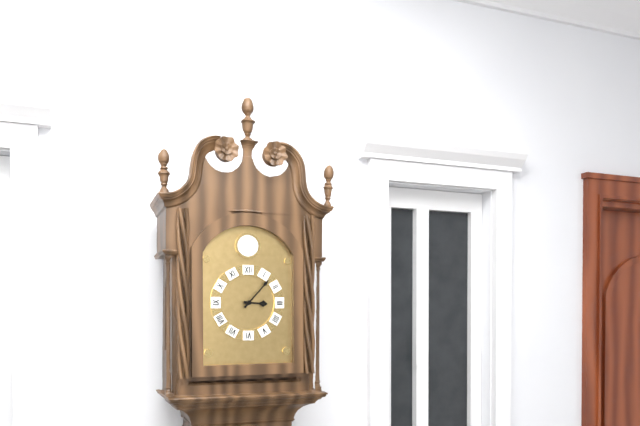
3:07
